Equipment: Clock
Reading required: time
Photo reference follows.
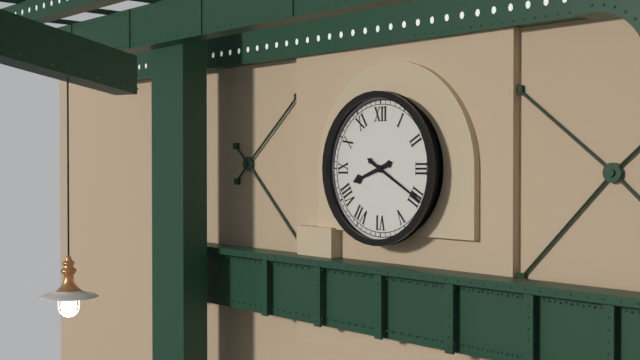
8:20
